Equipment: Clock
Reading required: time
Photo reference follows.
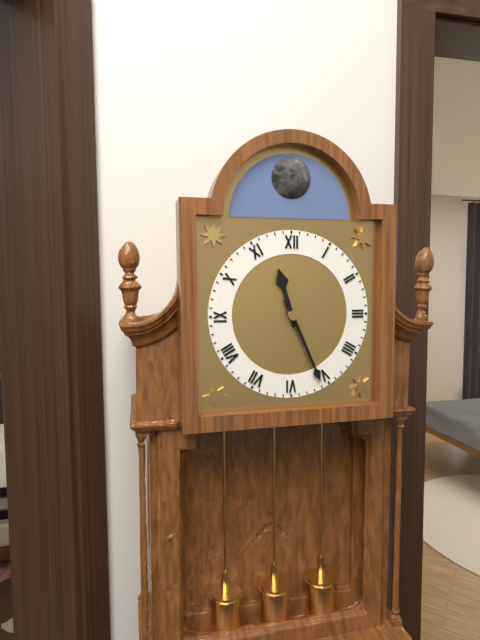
11:26
